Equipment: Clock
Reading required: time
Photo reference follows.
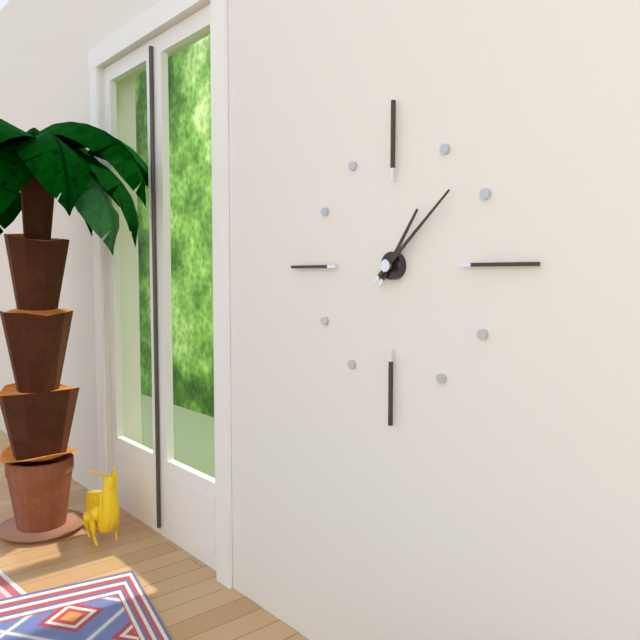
1:08
